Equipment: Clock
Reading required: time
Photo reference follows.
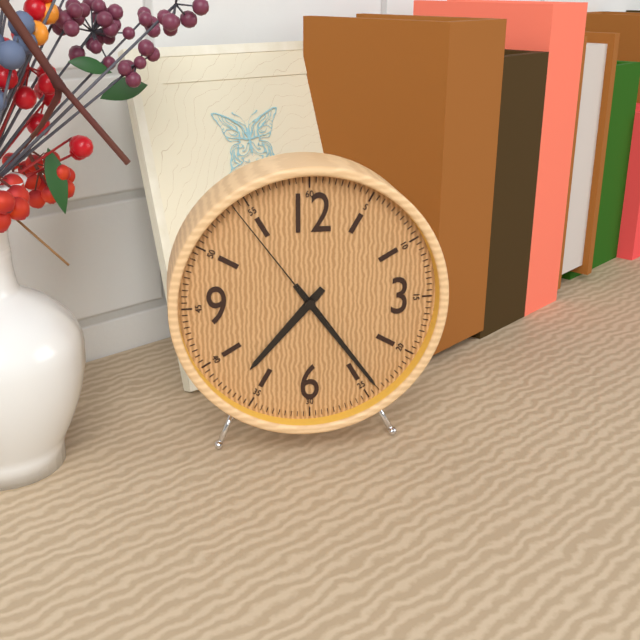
7:24:54
